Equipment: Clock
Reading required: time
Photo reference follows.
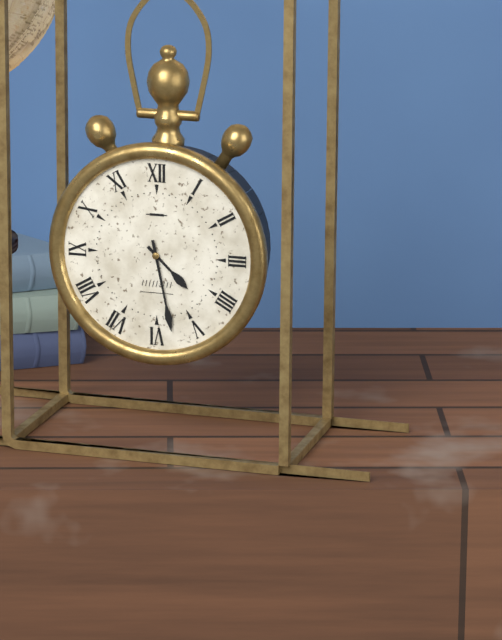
4:28
